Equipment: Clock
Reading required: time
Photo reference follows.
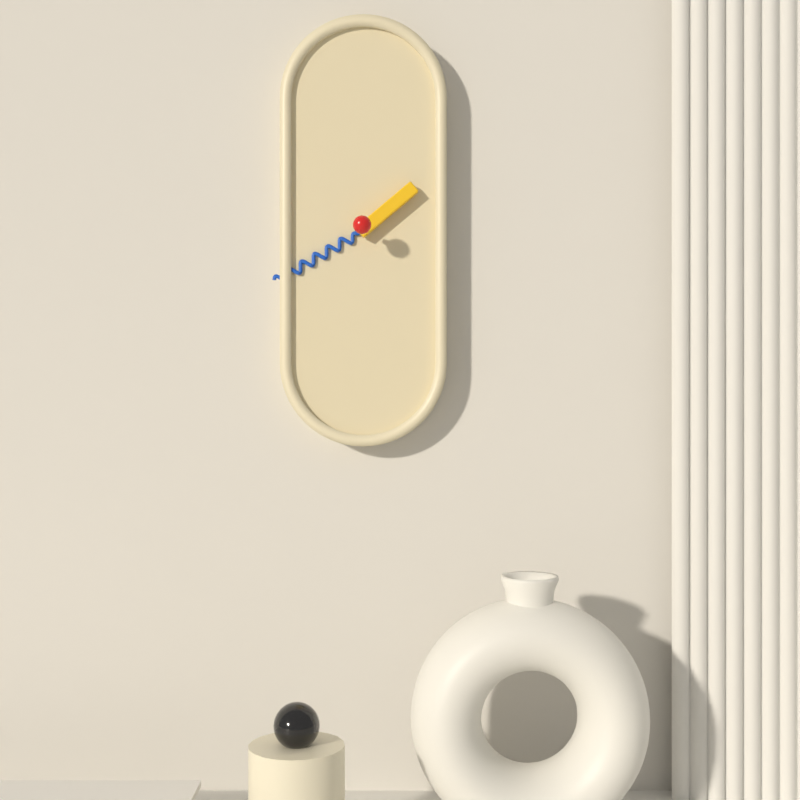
1:40
